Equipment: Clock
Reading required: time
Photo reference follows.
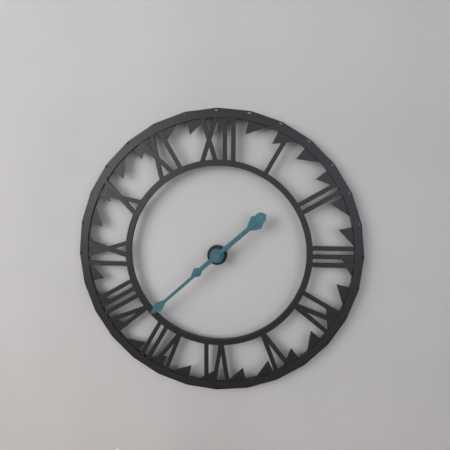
1:38
